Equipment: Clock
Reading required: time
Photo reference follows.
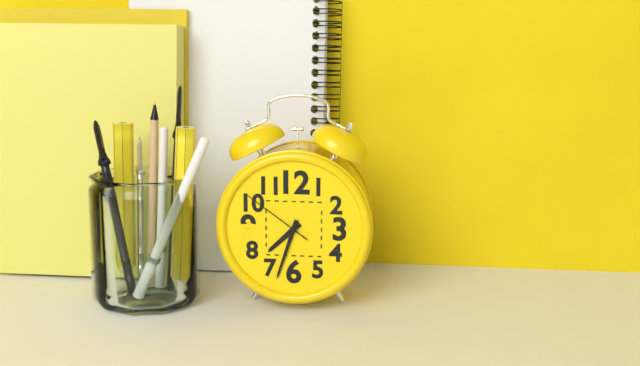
7:33:51
